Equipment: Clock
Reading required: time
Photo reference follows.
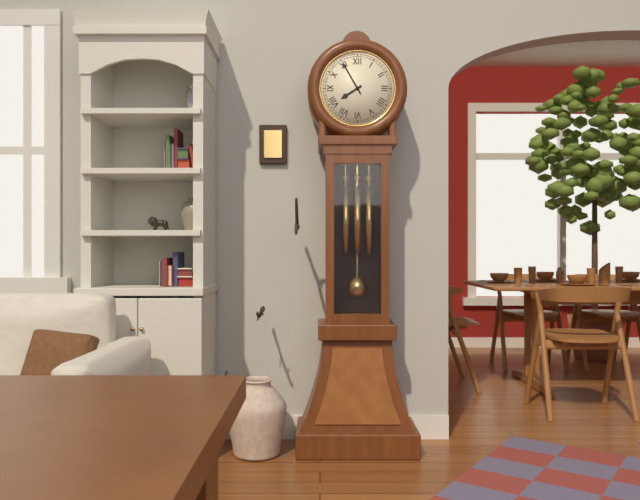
7:55
